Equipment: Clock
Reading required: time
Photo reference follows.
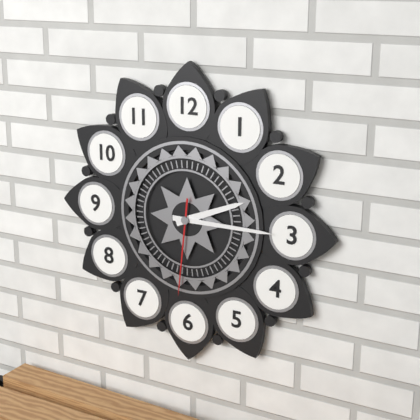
2:15:31
